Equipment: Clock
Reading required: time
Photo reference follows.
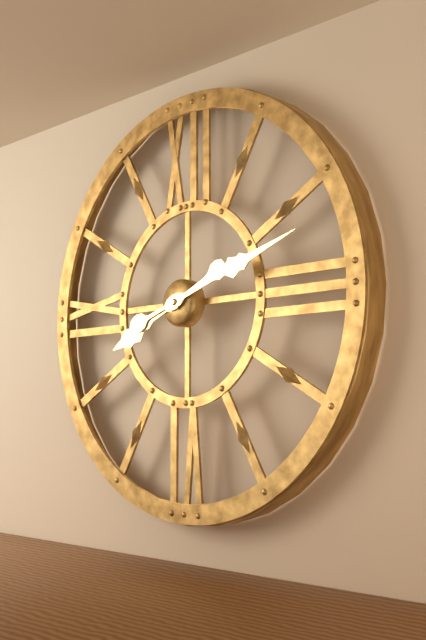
8:12
